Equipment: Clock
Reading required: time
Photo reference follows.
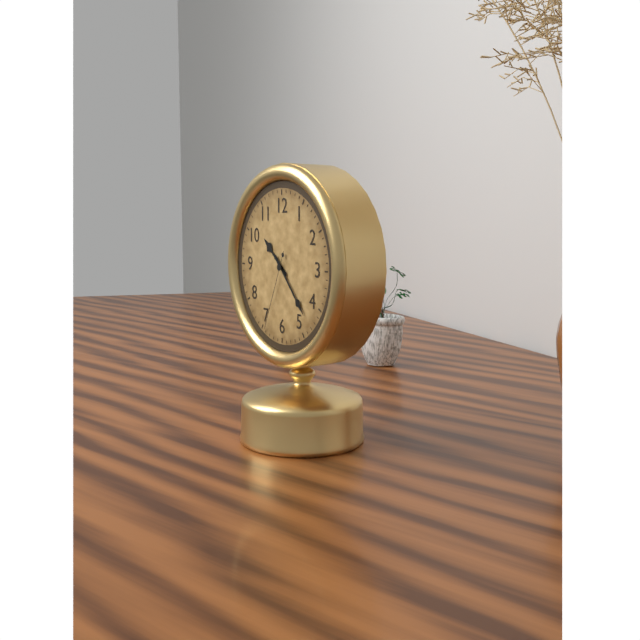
10:23:34
